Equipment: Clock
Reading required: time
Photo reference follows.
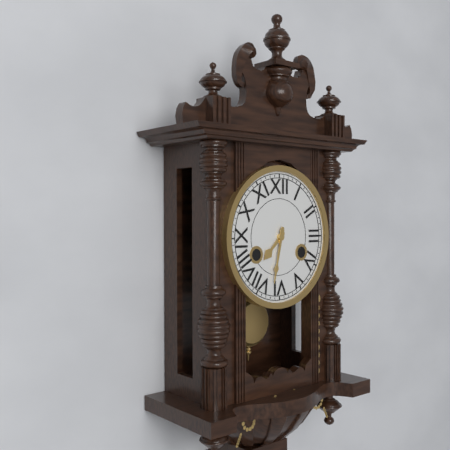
7:32
